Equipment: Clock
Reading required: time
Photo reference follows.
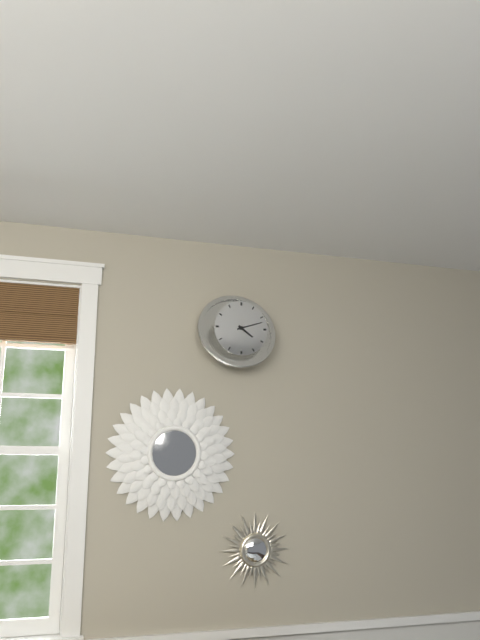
4:12
